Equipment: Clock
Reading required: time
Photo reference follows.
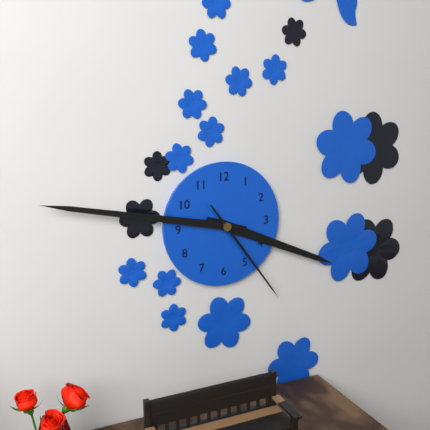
3:47:24
